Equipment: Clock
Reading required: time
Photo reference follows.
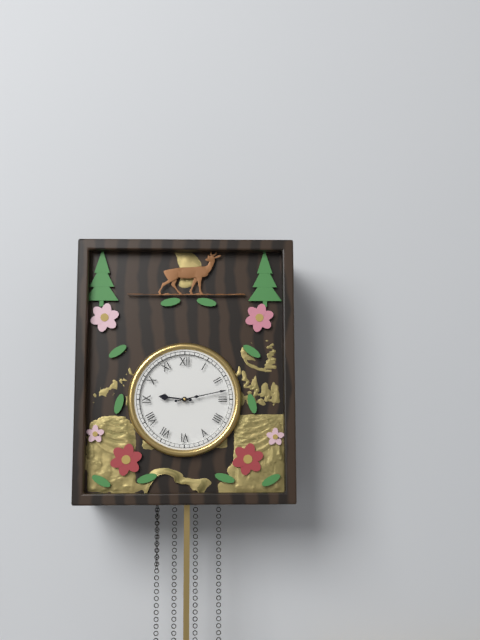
9:13
